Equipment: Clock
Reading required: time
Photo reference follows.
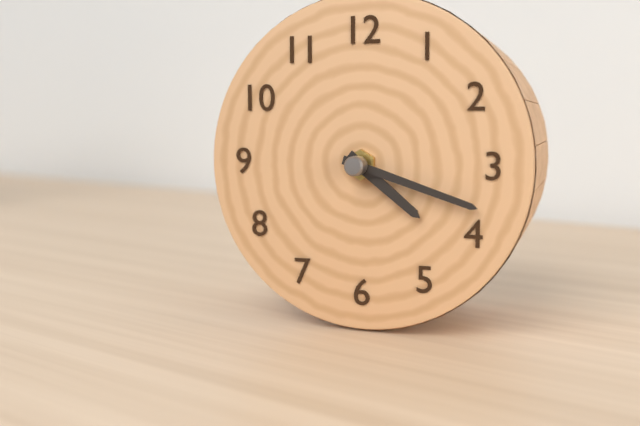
4:18
